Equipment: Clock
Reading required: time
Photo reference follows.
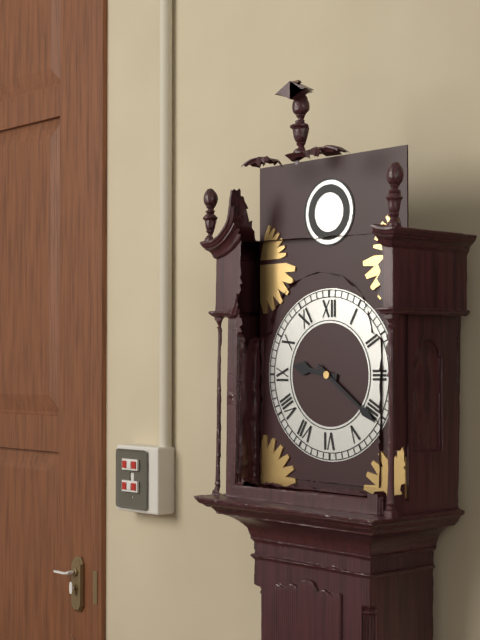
9:21
